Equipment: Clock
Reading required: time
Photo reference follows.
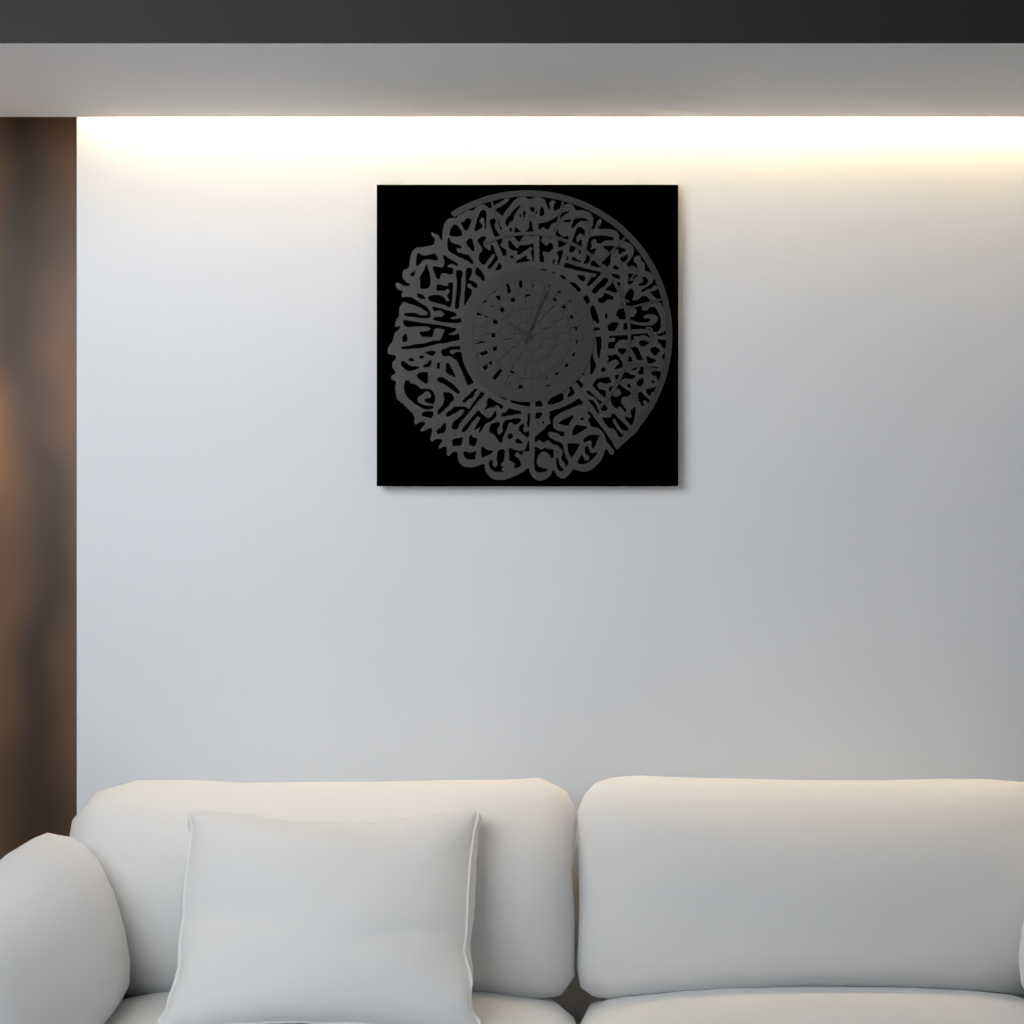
10:04
